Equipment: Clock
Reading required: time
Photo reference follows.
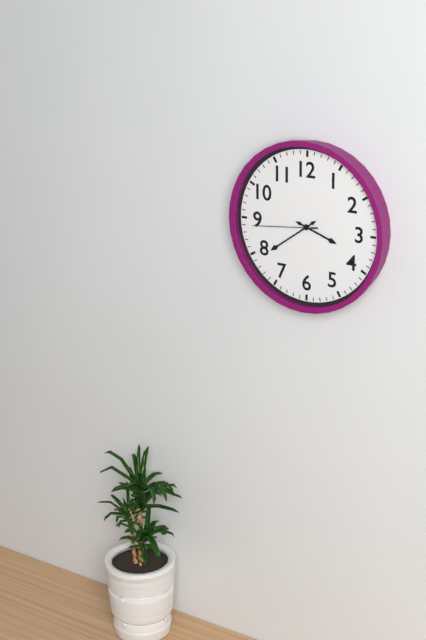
3:39:44
